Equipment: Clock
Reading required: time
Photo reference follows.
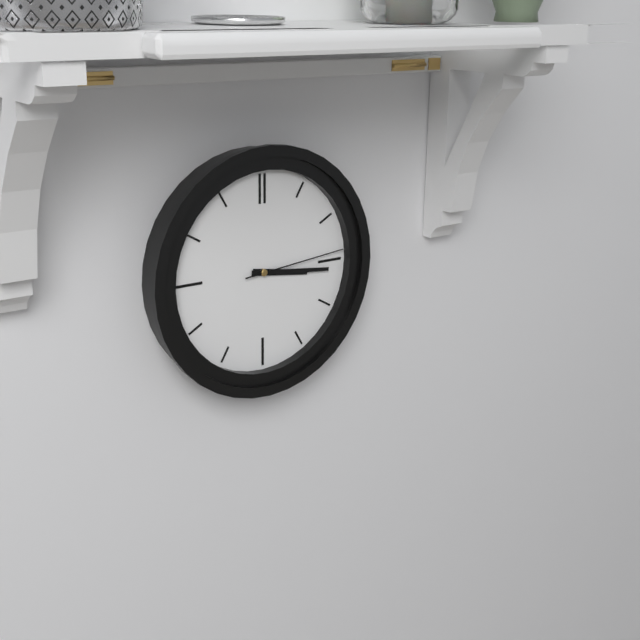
3:16:14
